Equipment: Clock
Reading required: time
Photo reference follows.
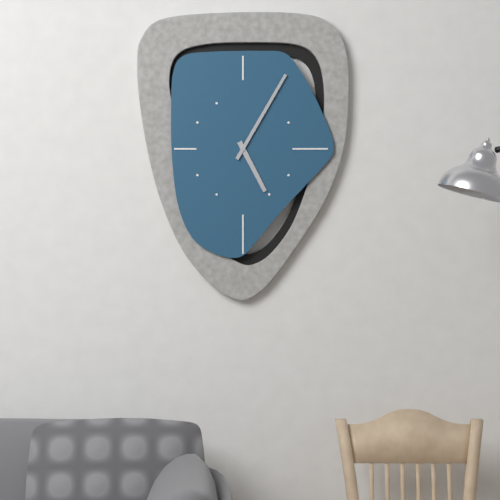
5:05
